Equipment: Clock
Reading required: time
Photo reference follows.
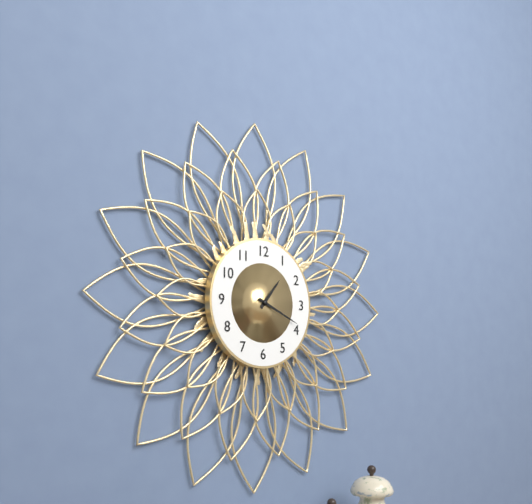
1:19
